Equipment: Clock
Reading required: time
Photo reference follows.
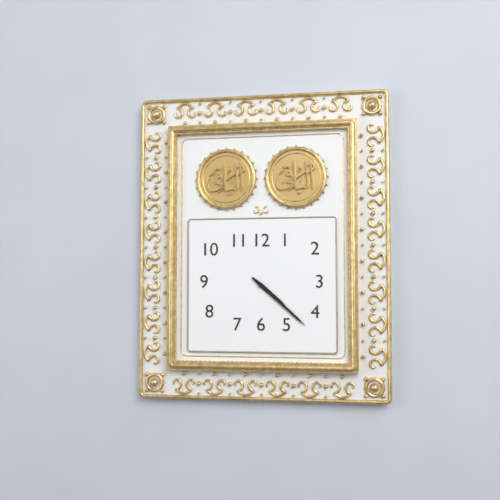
4:22
